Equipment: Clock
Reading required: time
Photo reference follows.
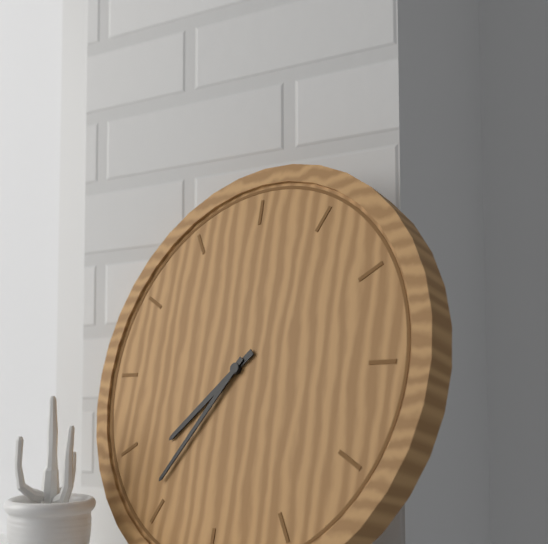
7:36
